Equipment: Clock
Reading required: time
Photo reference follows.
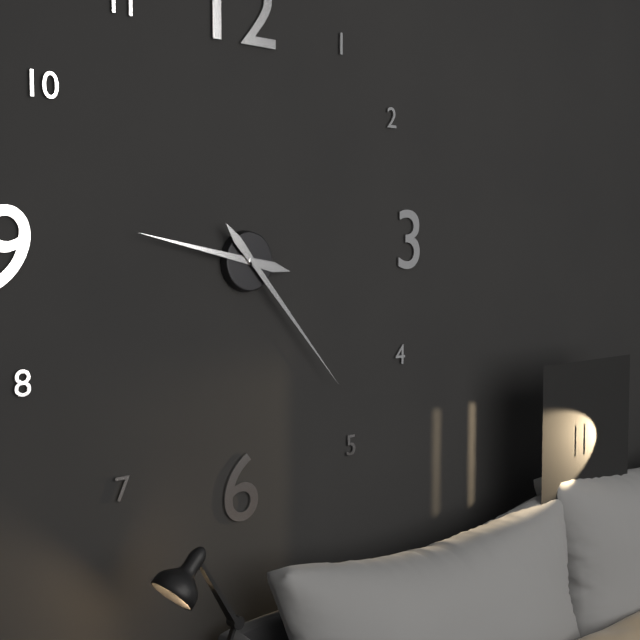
9:23
